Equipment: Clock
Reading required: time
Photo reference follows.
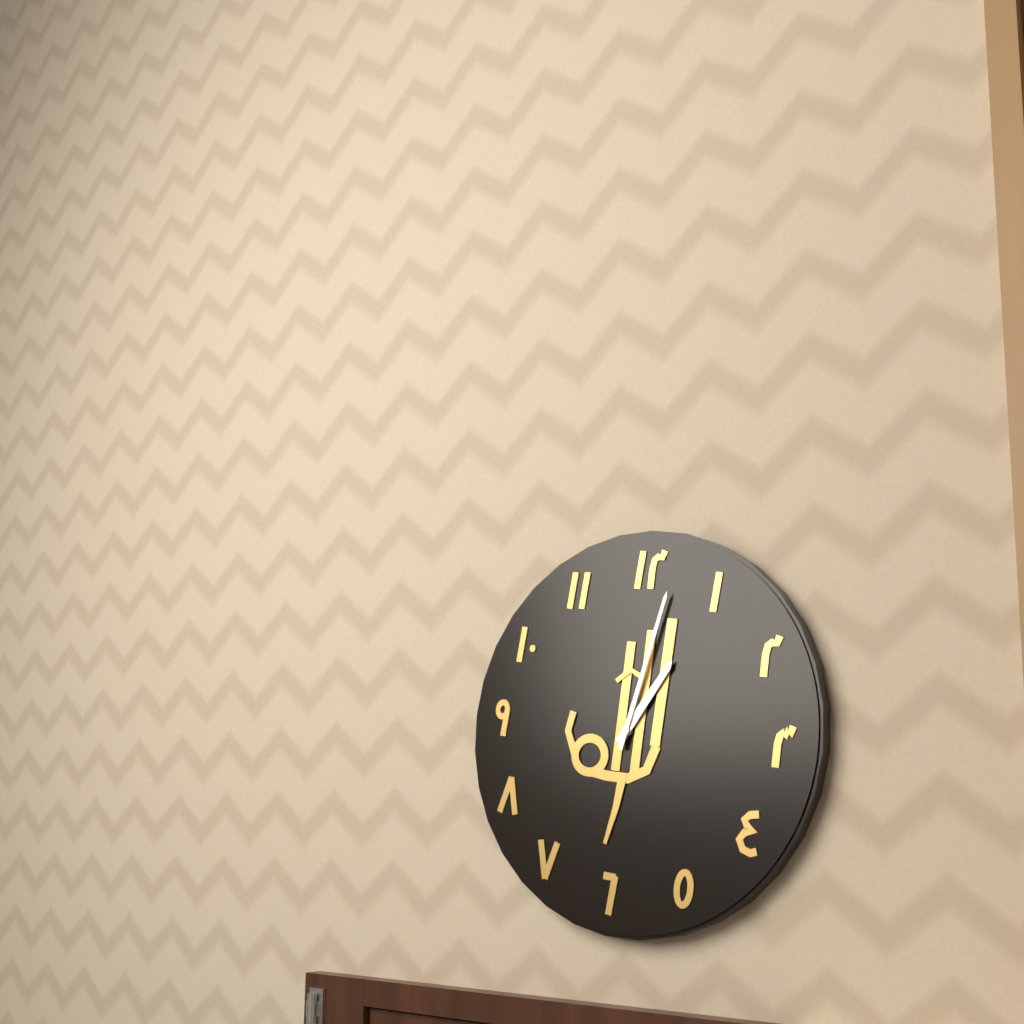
1:02
